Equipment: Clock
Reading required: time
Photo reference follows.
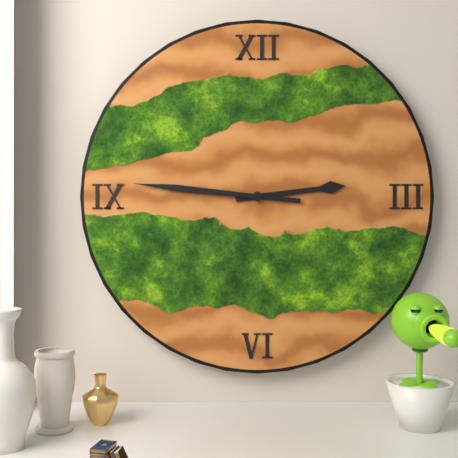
2:46
